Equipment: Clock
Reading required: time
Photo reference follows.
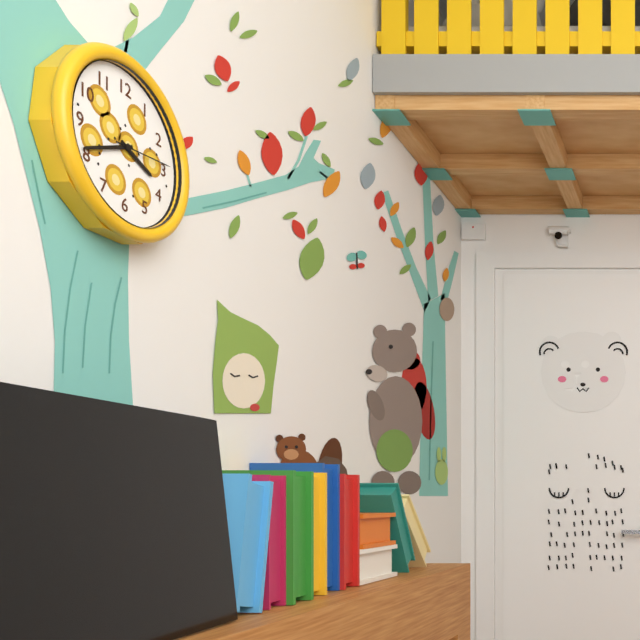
3:41:14
